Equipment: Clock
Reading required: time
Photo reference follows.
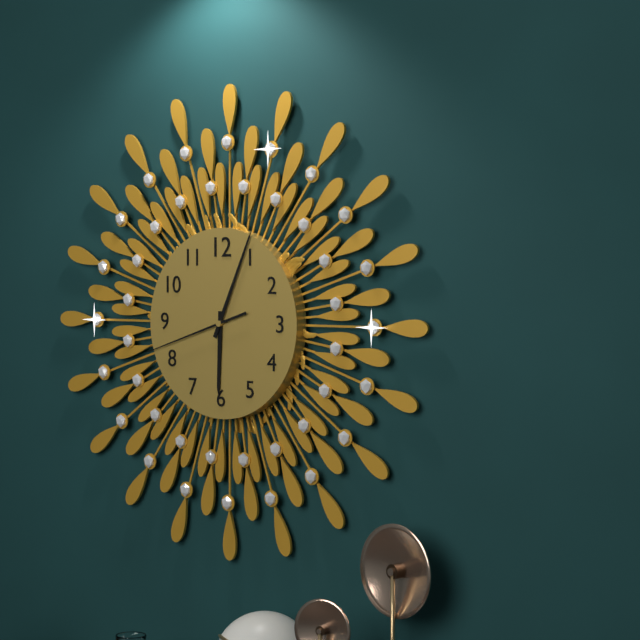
6:04:42
